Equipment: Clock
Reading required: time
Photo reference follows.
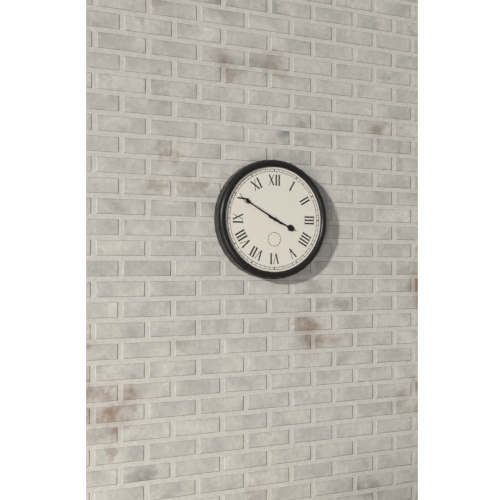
3:50
